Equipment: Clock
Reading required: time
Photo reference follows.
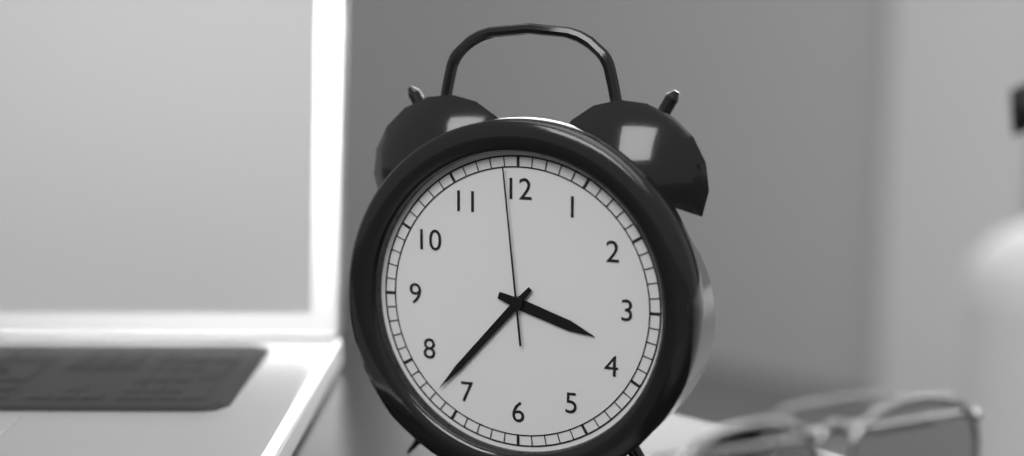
3:37:59
